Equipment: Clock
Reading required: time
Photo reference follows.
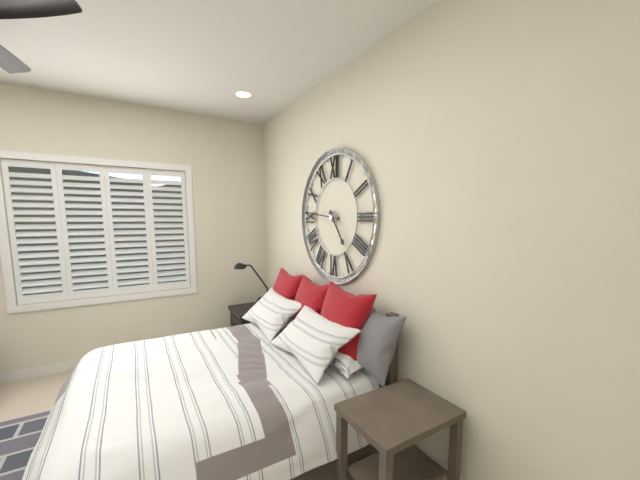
4:46
